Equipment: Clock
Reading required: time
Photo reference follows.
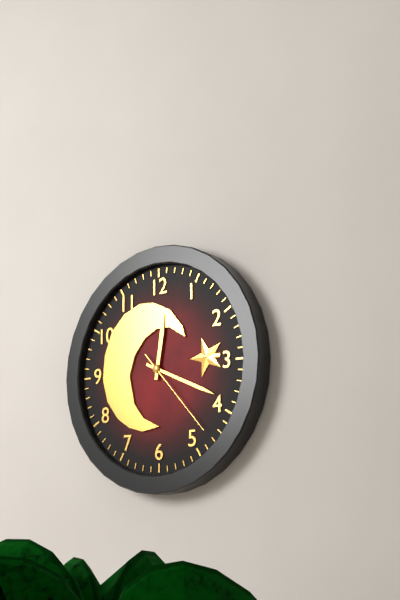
12:19:23
